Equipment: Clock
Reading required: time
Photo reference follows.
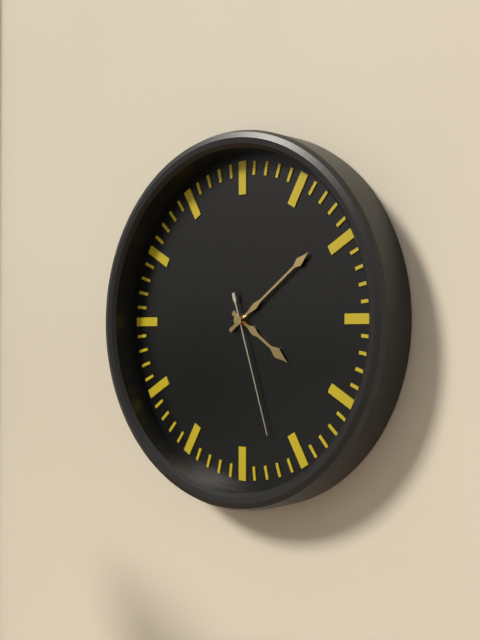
4:09:27
